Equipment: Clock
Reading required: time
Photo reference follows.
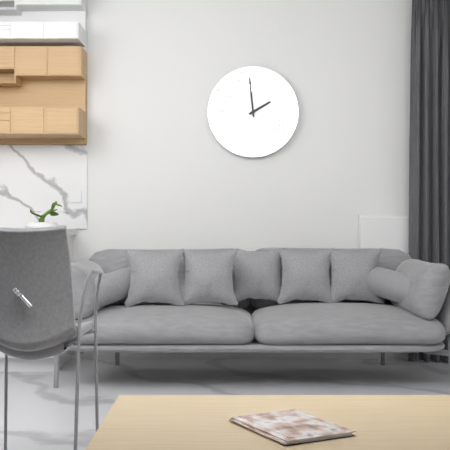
1:59
